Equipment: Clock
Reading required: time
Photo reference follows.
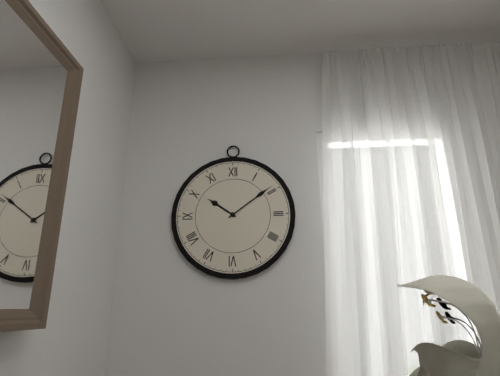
10:09
